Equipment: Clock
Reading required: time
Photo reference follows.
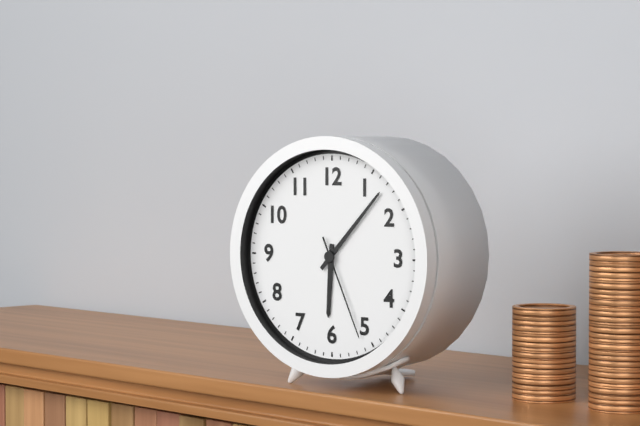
6:07:26
